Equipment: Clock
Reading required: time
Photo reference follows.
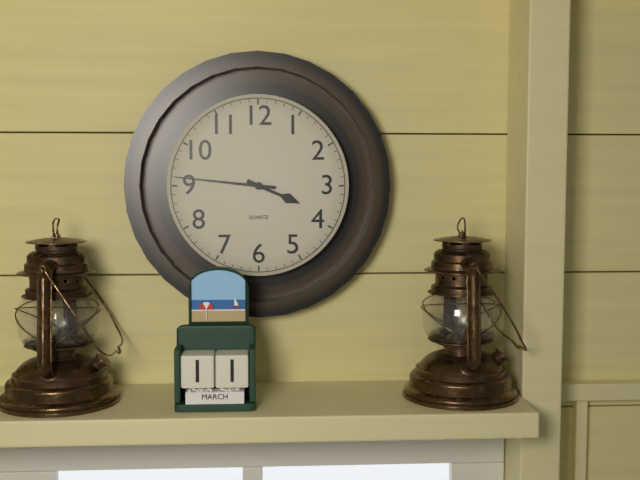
3:46
